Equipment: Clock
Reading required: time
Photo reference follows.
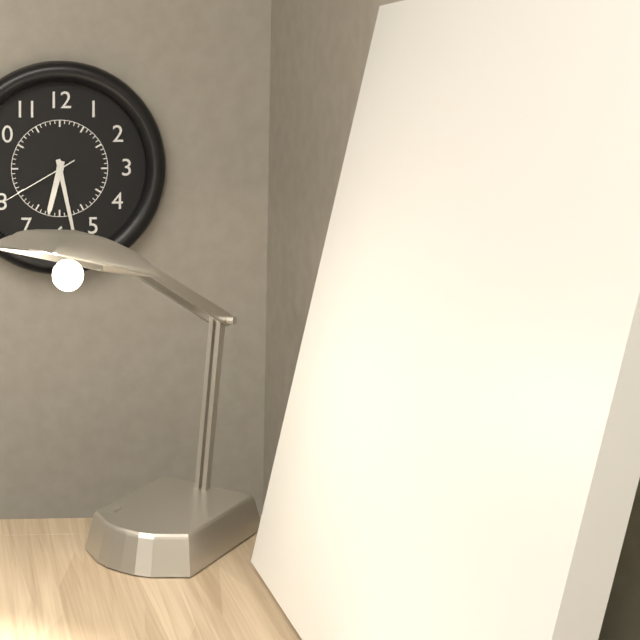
6:28:40
